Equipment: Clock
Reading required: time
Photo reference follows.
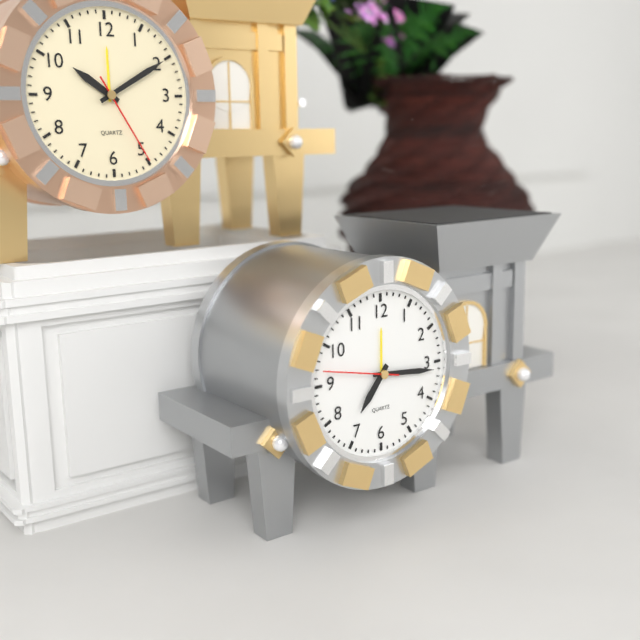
7:16:47
